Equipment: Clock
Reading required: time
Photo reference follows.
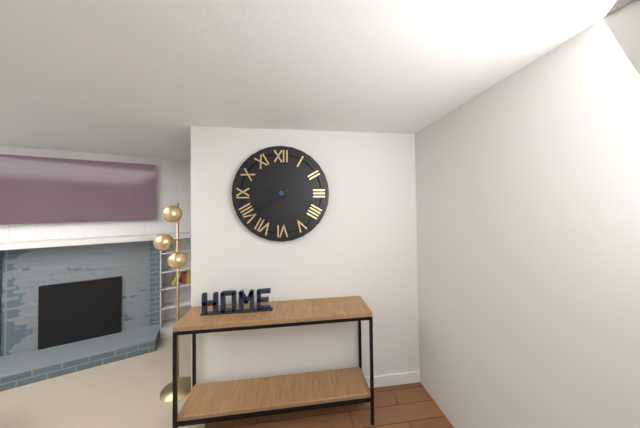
9:39
